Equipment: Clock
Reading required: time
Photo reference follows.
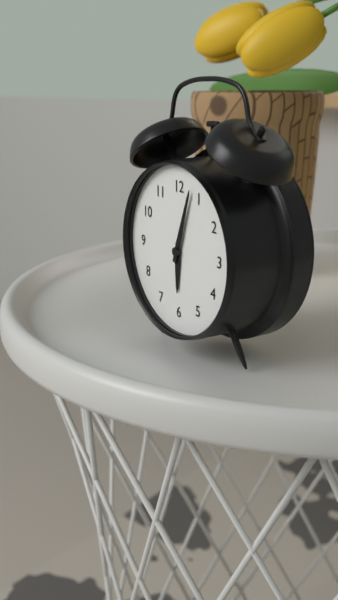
6:03
